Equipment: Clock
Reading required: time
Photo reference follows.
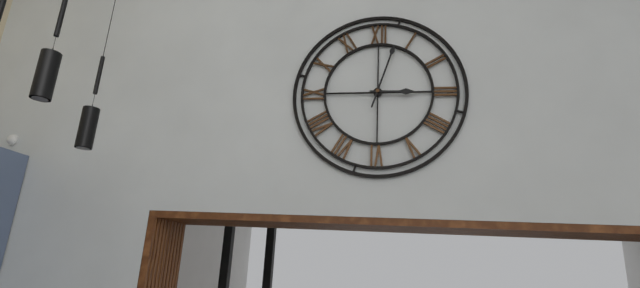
3:03
